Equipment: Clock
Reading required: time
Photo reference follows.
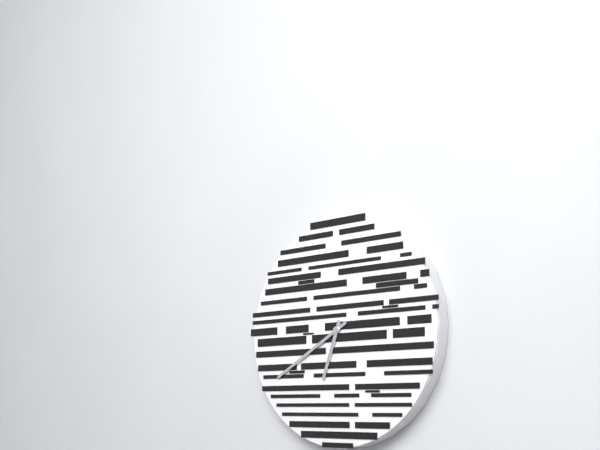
6:40
